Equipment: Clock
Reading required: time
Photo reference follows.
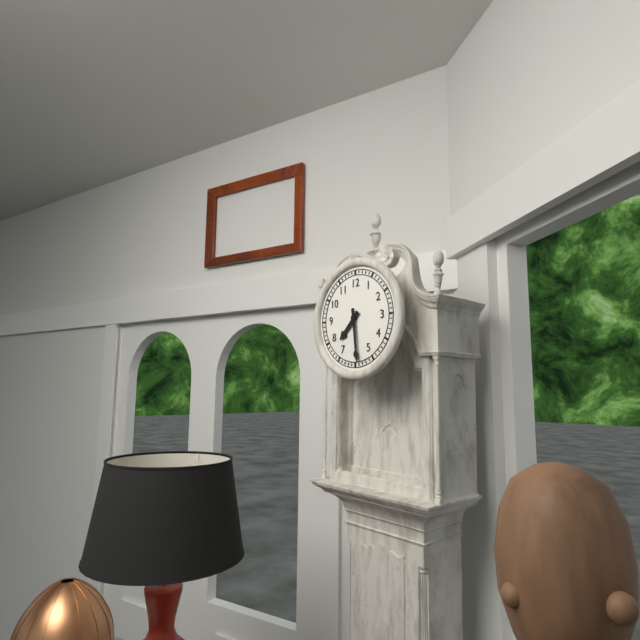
7:29
